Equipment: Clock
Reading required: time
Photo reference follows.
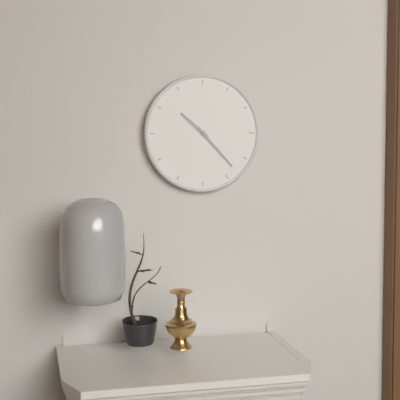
10:23
